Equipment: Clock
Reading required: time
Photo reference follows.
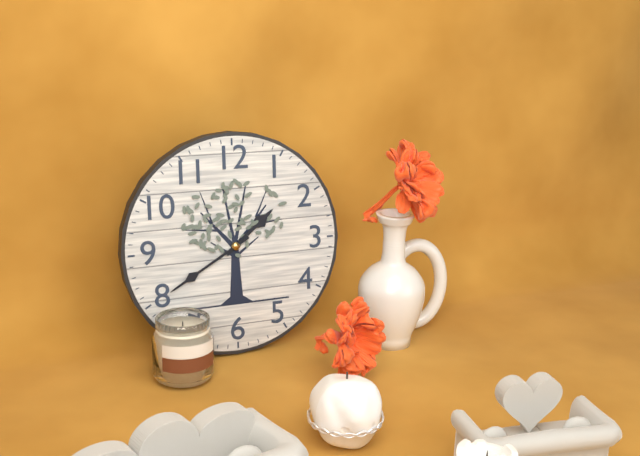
1:40
